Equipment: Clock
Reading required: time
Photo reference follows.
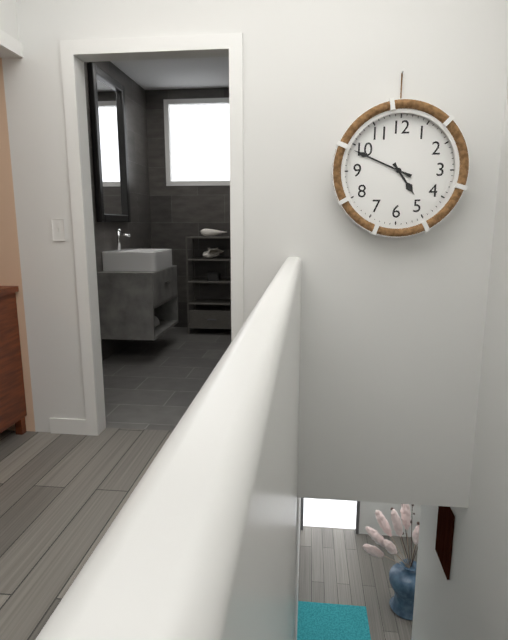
4:49
